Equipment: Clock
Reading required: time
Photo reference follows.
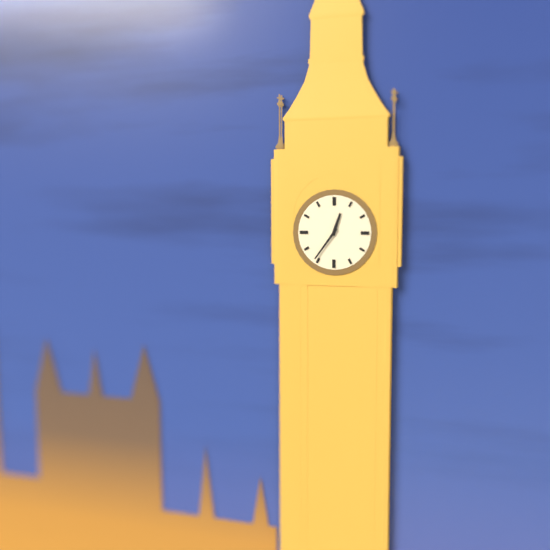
12:36
